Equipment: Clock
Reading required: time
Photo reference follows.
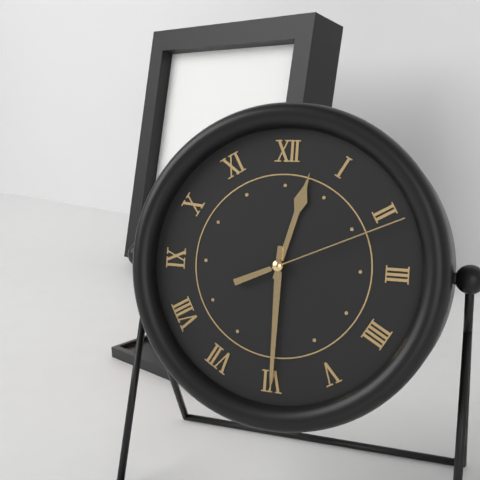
12:30:11
